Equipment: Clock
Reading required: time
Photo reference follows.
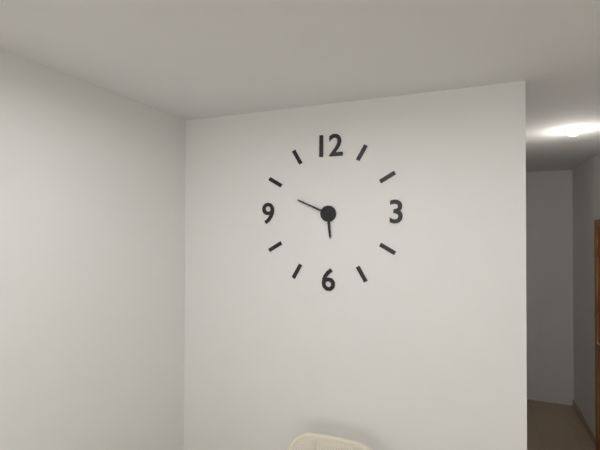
5:49
